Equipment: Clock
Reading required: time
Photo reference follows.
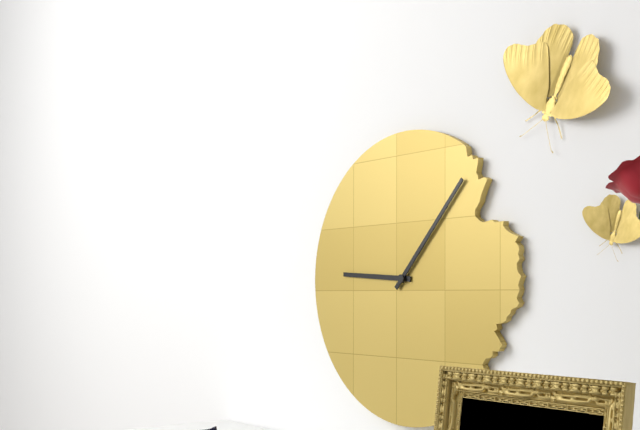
9:07
